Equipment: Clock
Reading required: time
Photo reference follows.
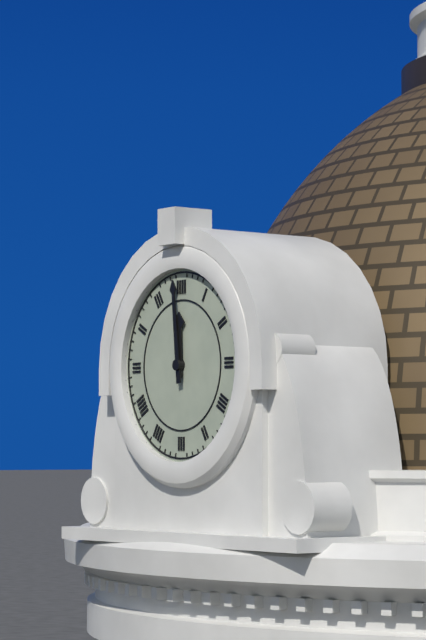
11:59
